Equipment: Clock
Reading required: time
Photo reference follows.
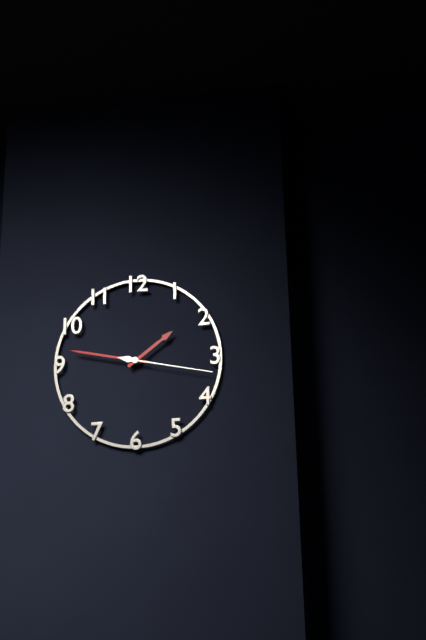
1:47:17
